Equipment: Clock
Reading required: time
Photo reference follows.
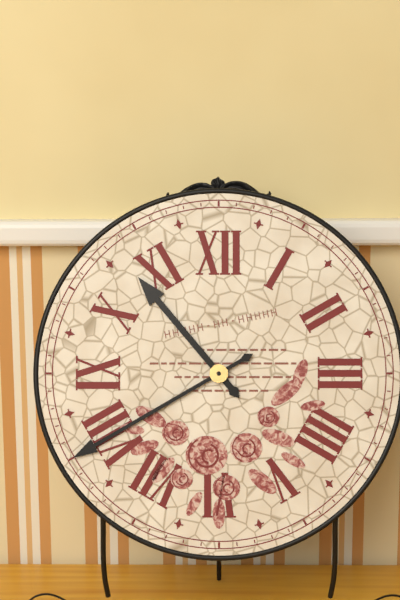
10:40
